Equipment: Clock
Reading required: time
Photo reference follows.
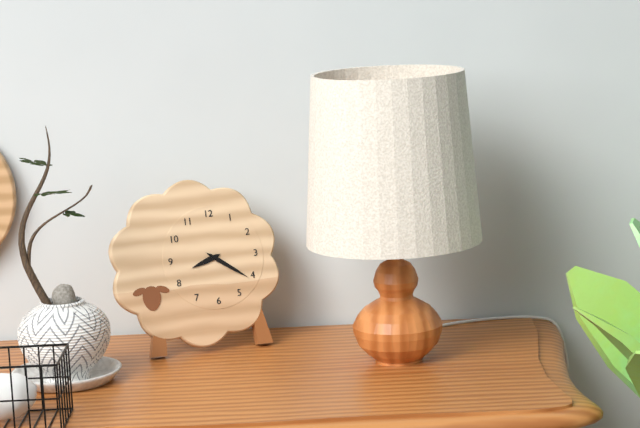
8:21
